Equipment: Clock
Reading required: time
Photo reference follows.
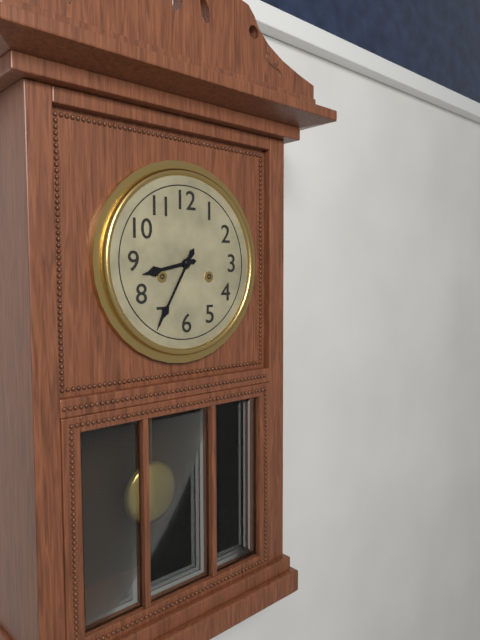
8:35
